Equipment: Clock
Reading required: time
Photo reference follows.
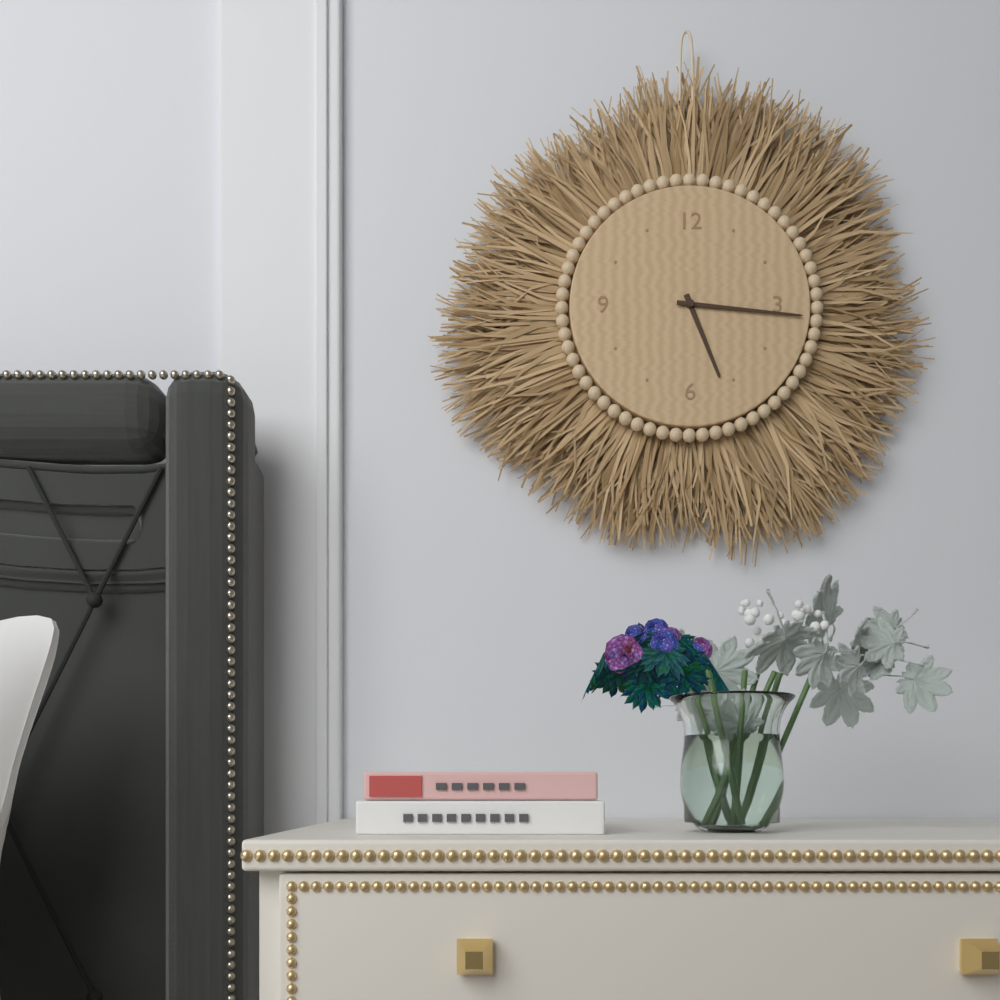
5:16
